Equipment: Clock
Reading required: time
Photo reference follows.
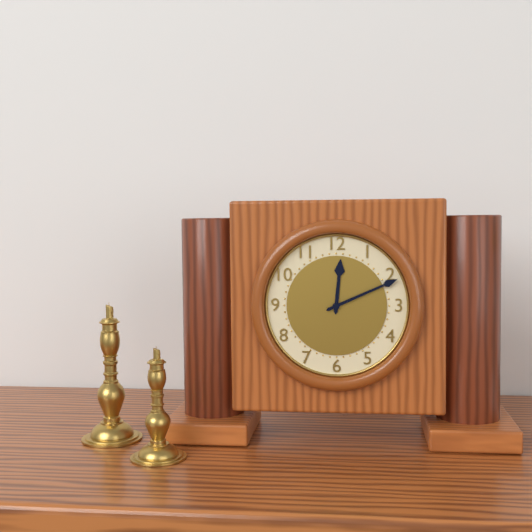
12:11
